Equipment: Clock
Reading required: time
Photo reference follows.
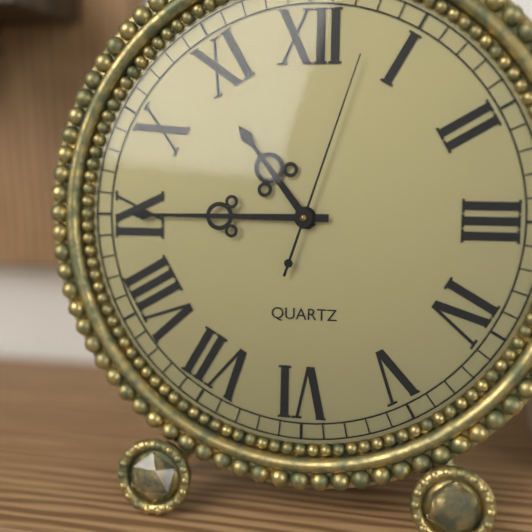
10:45:03
